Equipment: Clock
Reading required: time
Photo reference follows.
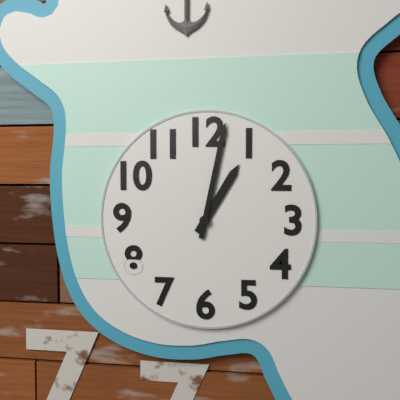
1:02
